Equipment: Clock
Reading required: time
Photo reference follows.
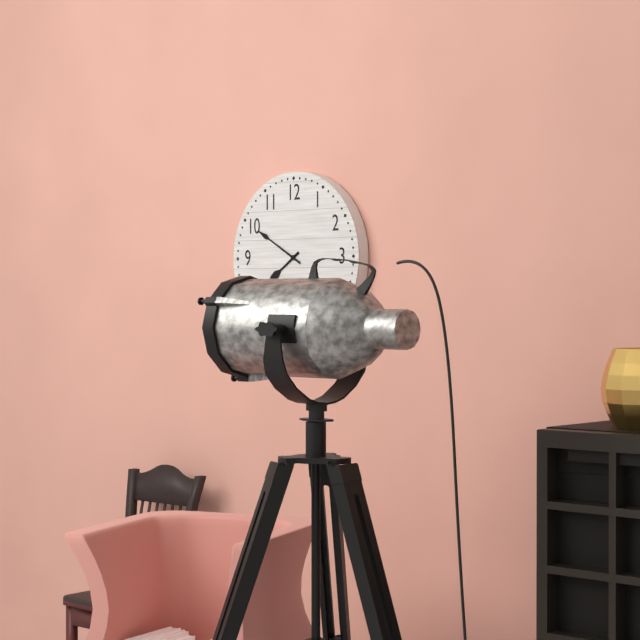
7:50
